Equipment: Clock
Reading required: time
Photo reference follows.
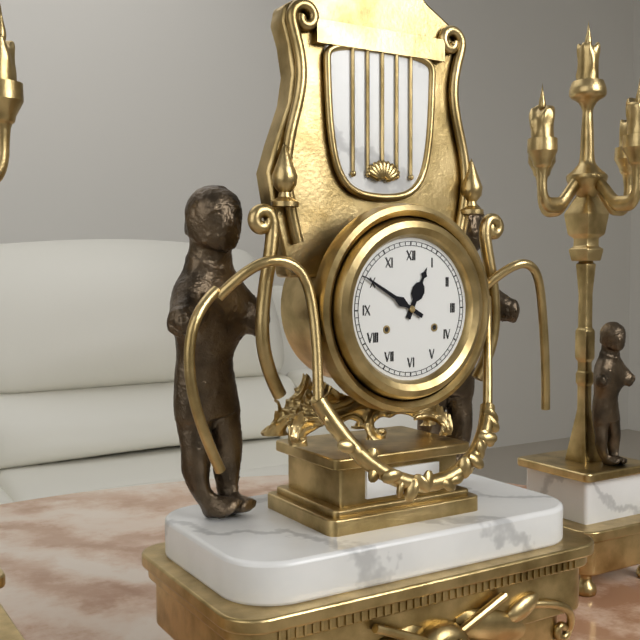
12:50
